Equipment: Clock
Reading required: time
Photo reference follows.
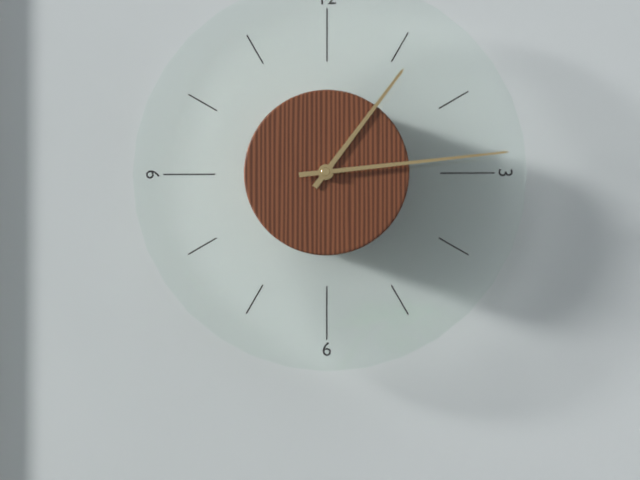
1:14
